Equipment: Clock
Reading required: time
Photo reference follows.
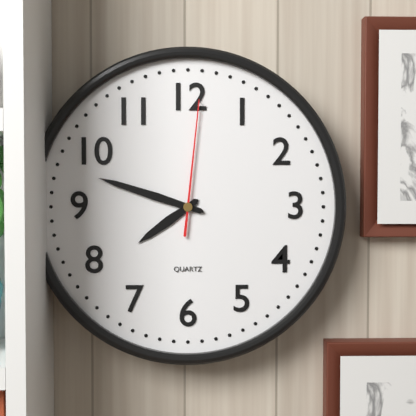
7:48:01
